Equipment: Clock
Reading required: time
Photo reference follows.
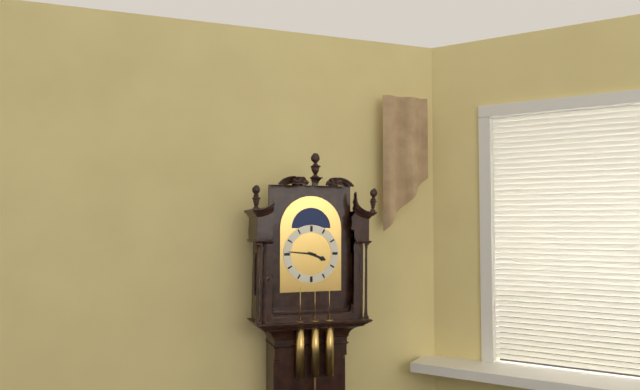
3:46
